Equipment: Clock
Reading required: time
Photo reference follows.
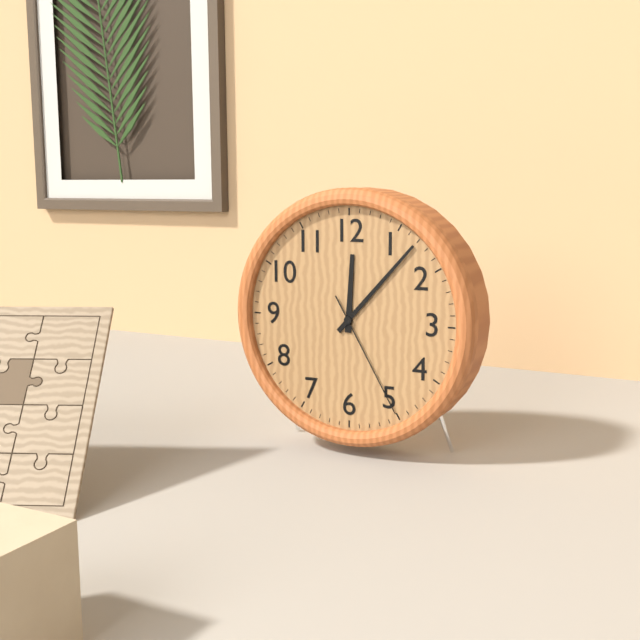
12:07:25
